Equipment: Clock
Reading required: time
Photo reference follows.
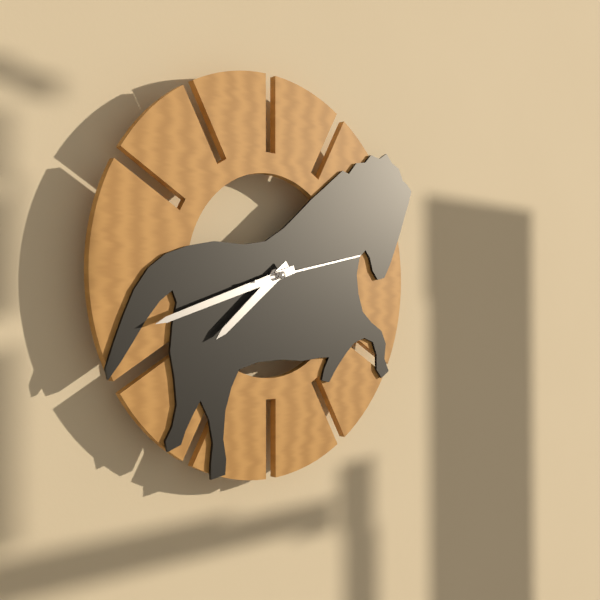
7:42:13
